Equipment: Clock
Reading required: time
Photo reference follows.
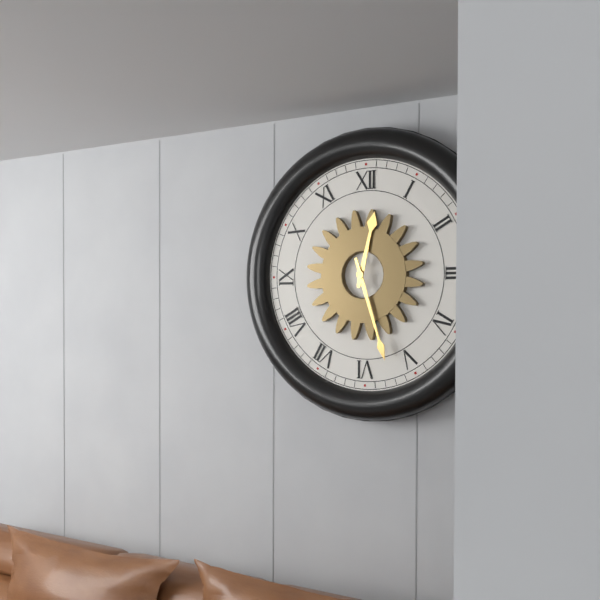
12:27
